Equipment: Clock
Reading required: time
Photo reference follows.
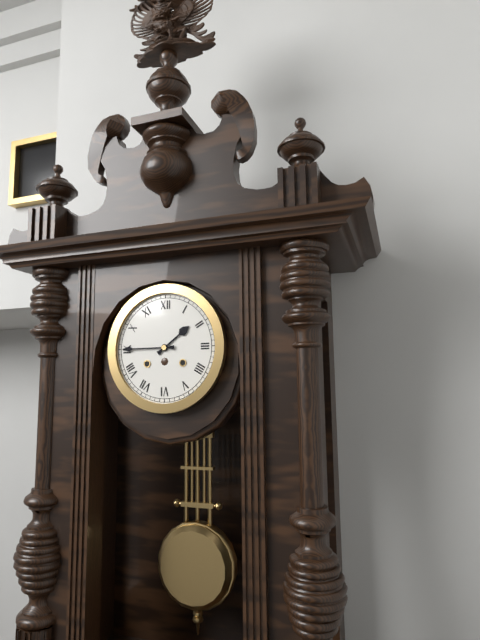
1:45
